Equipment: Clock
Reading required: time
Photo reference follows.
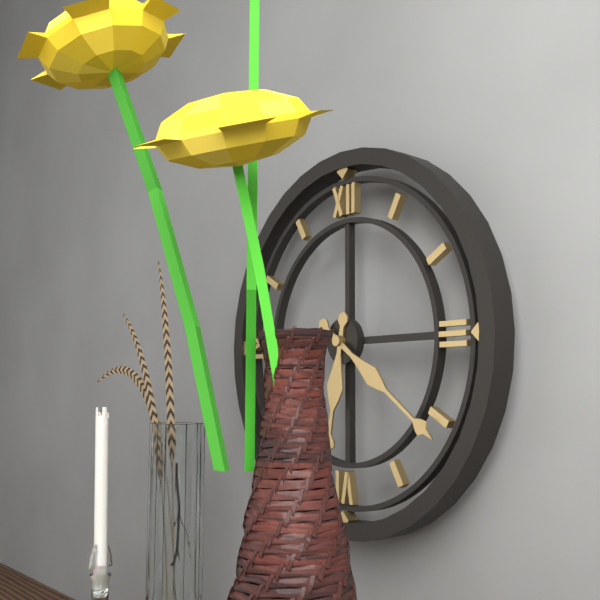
6:21
